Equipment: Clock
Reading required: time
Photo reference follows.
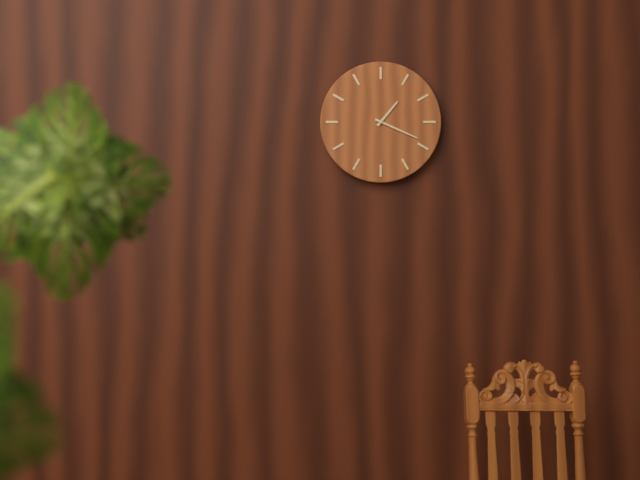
1:19
